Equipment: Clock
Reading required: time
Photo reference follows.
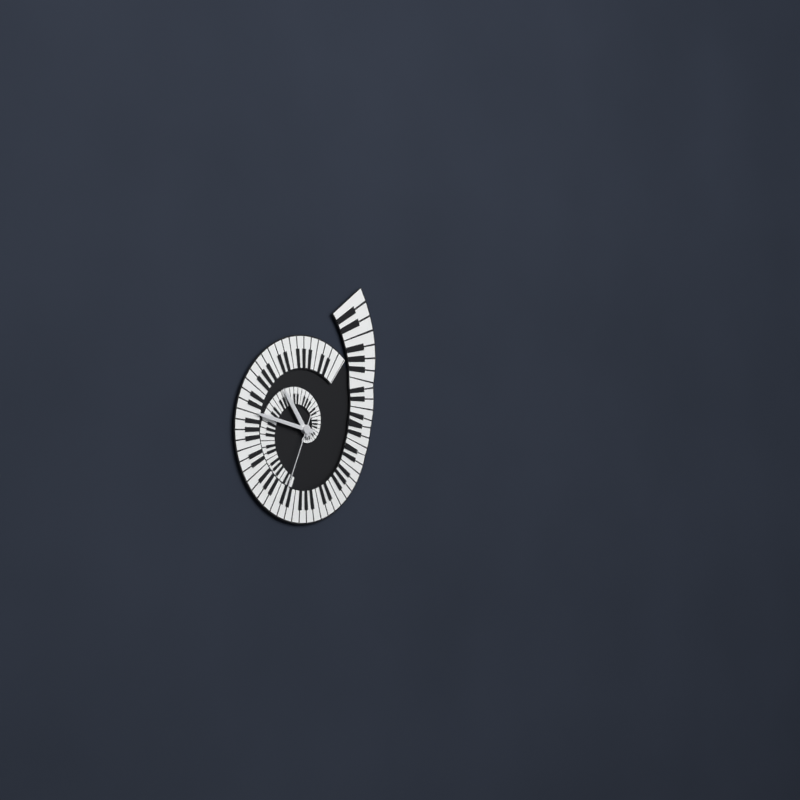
10:47:34
